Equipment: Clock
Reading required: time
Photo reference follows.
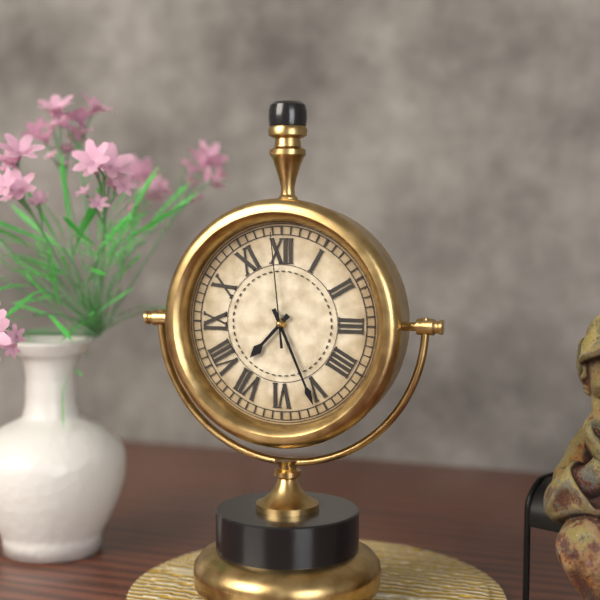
7:26:59
